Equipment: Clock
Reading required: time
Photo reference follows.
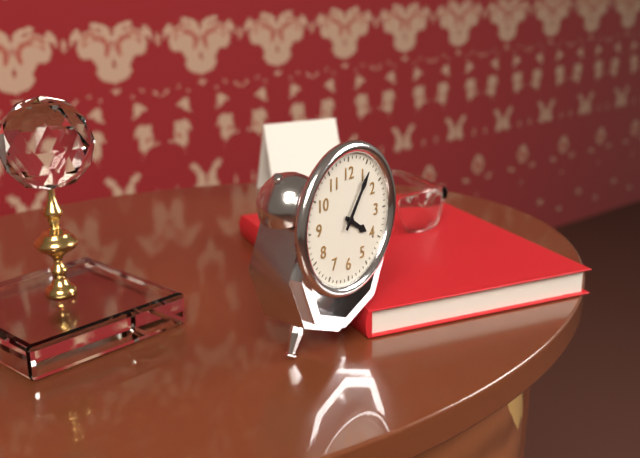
4:06
